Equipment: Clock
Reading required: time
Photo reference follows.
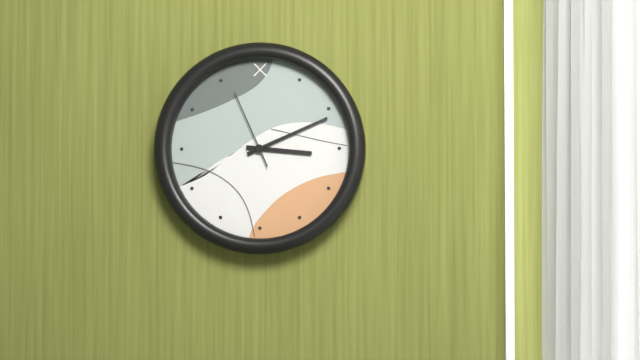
3:11:56
